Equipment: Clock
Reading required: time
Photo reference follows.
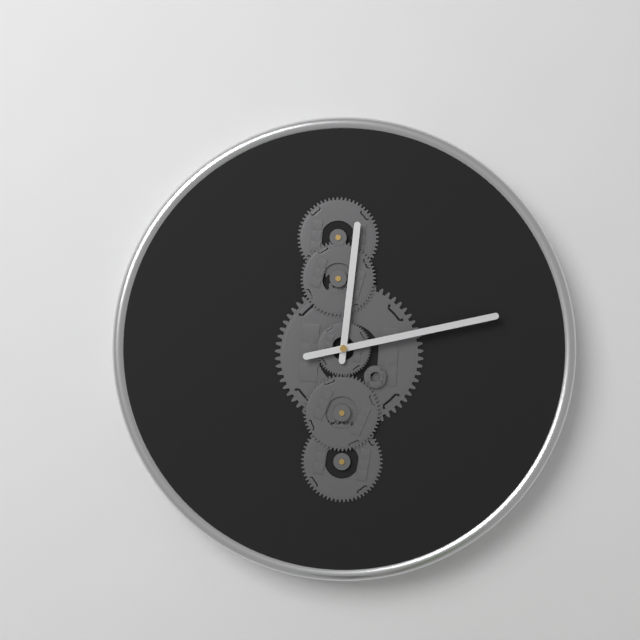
12:13
